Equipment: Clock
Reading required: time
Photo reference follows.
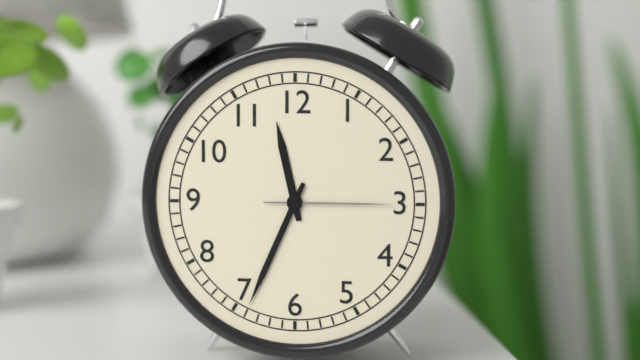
11:34:15
